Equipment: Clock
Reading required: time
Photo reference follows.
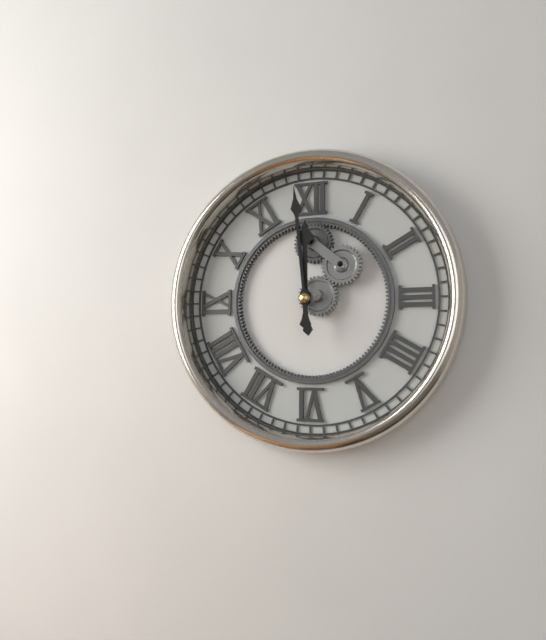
11:59
